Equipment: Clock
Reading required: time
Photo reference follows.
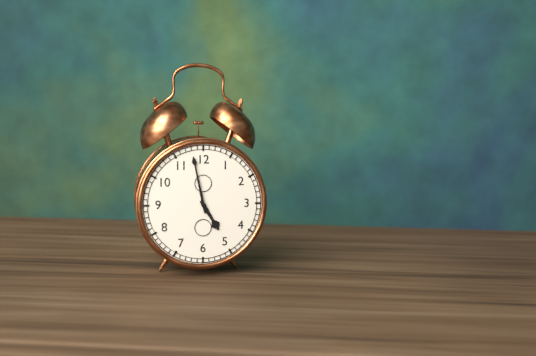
4:58
